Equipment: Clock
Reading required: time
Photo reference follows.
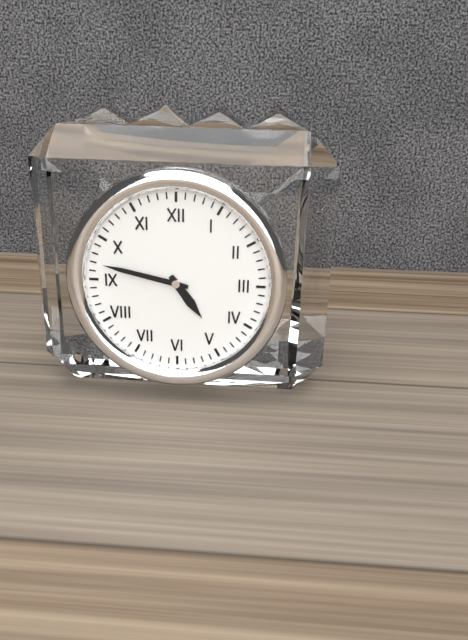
4:47
